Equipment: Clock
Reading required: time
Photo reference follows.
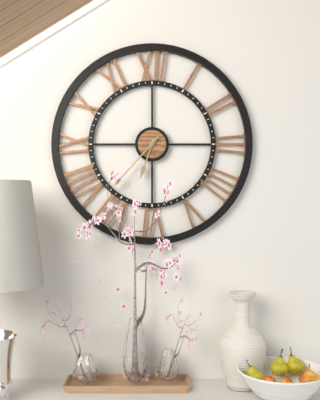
6:37
